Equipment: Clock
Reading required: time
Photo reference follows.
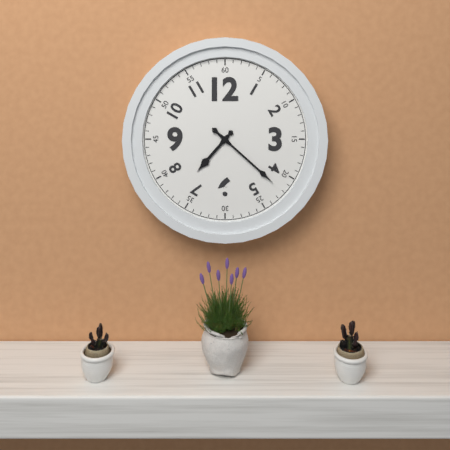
7:22
